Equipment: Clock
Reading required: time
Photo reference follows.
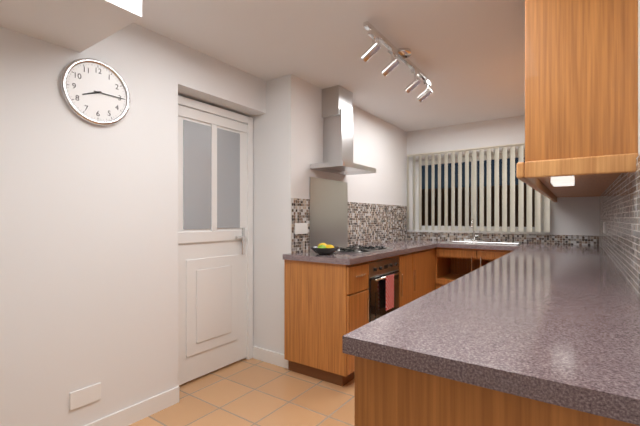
8:15
